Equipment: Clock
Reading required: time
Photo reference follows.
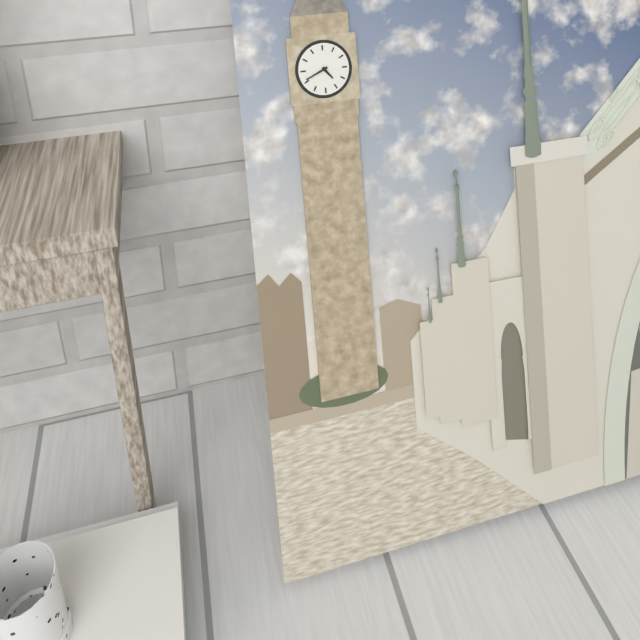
4:41
